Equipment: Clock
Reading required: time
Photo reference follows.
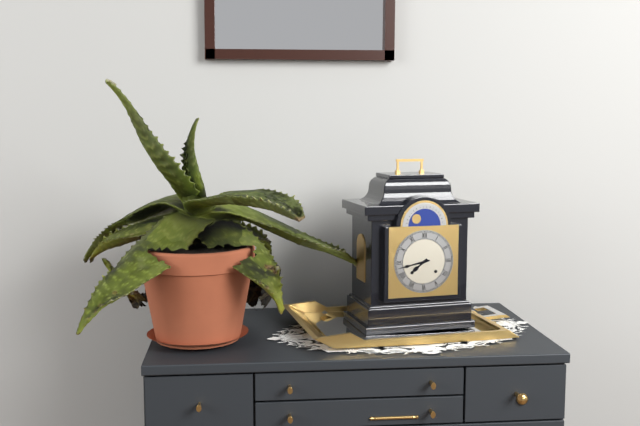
7:43
